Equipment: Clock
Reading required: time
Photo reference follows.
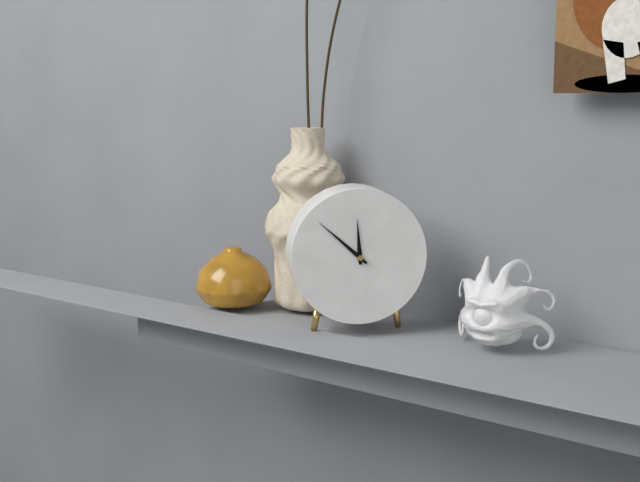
11:52
